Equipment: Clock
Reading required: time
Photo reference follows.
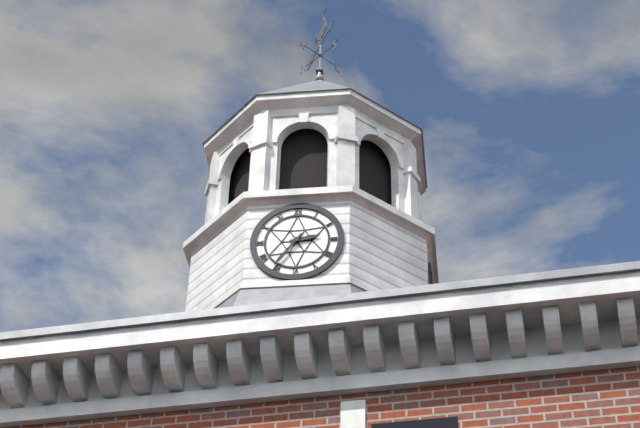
2:36
